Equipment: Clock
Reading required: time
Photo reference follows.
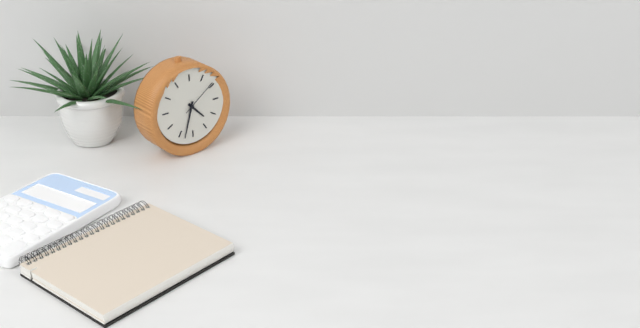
4:33
